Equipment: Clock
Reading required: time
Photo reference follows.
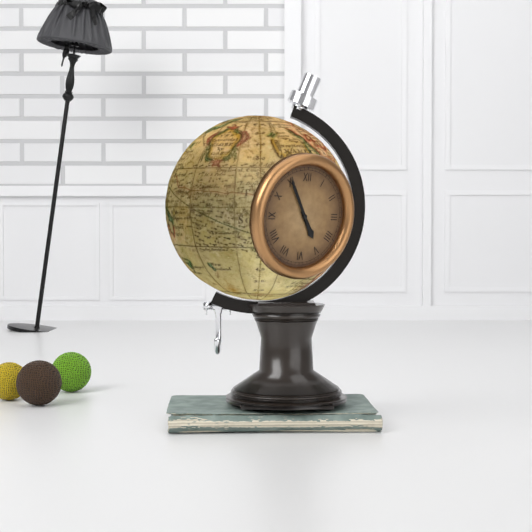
4:55
